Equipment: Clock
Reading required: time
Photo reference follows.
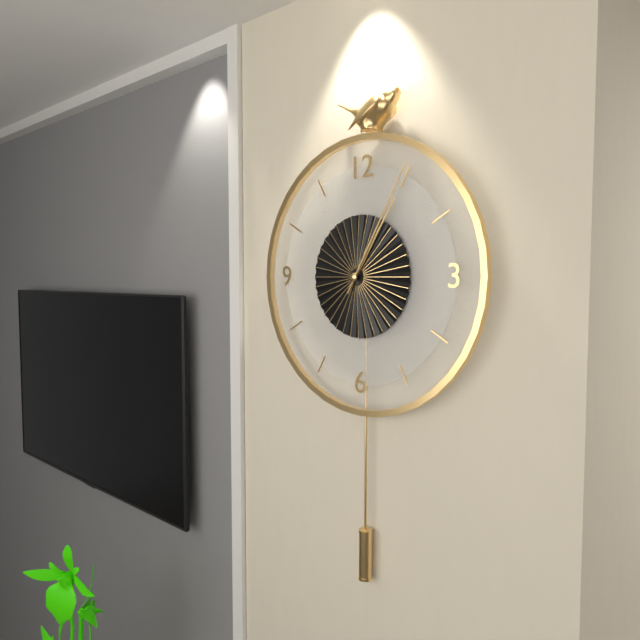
1:05
